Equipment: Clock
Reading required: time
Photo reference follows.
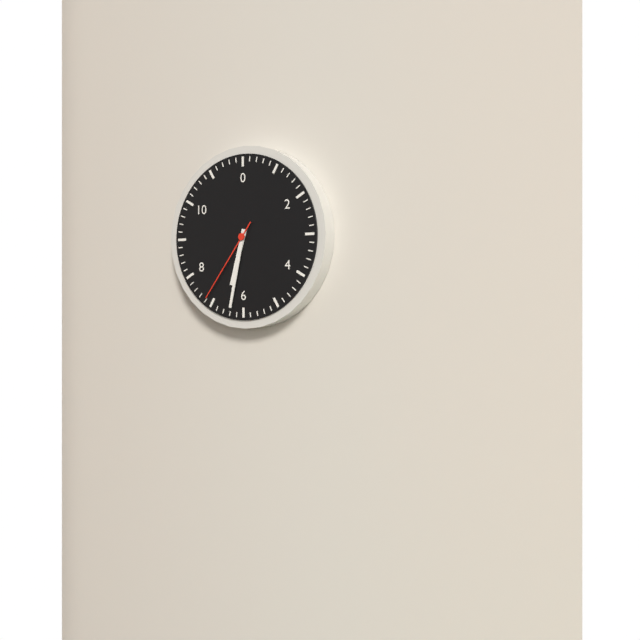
6:32:36
